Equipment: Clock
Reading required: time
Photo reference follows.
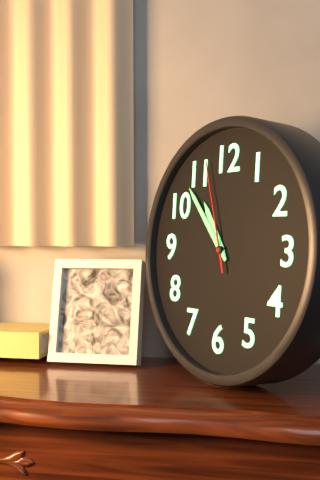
10:53:57
